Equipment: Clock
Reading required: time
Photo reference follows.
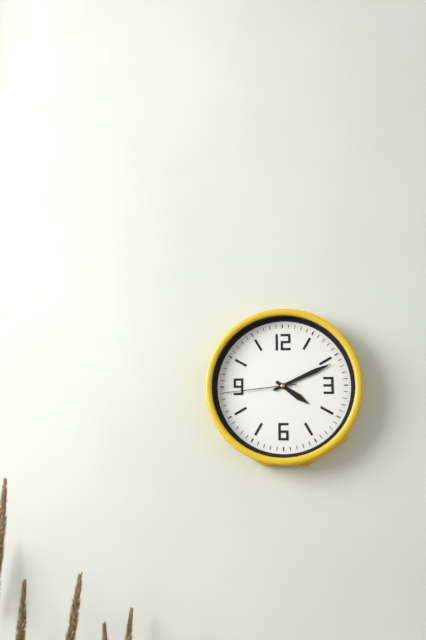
4:11:44
